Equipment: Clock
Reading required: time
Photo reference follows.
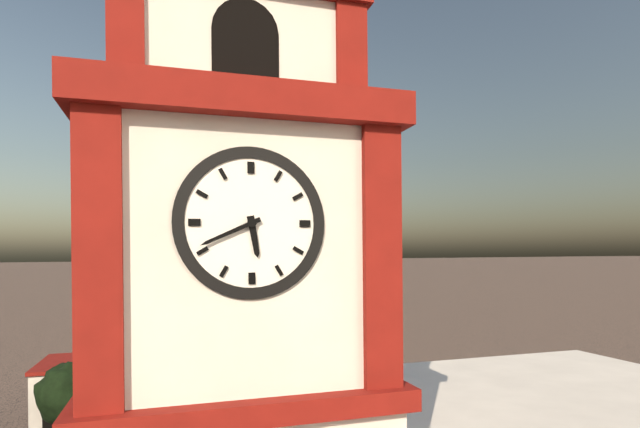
5:41
